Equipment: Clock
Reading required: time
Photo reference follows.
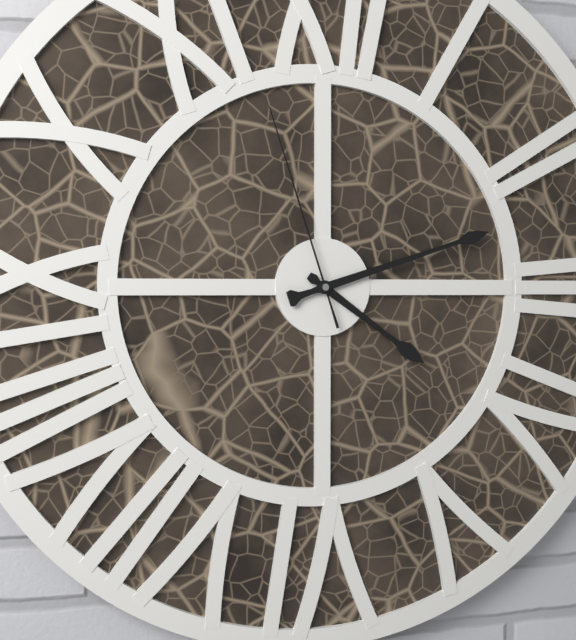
4:12:57
